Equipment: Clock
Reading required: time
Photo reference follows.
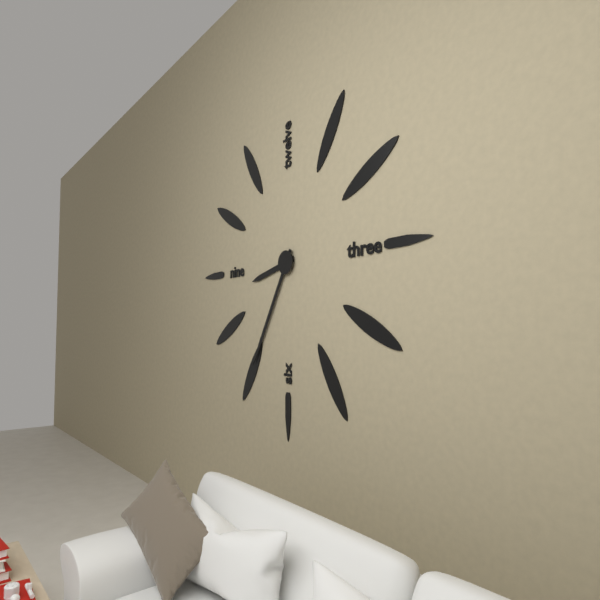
8:35
